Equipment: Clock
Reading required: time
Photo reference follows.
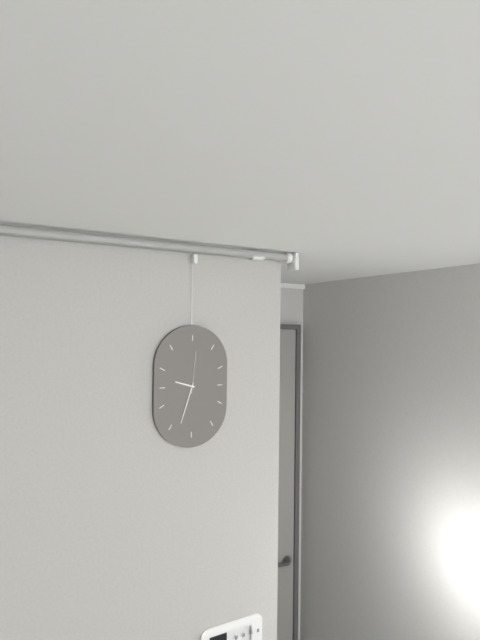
9:33
